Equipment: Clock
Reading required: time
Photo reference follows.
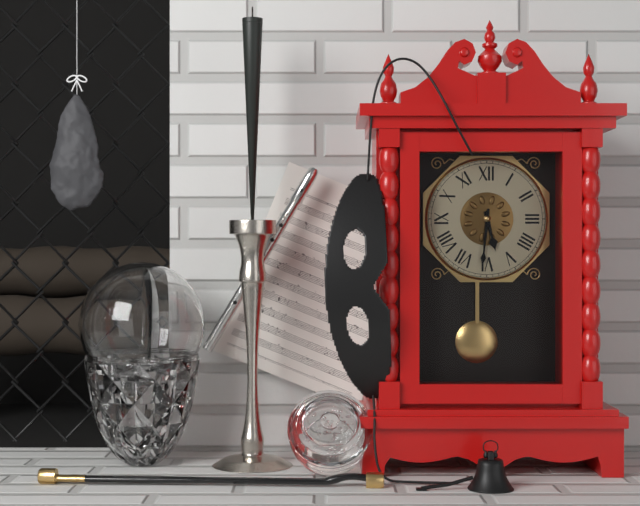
5:31
